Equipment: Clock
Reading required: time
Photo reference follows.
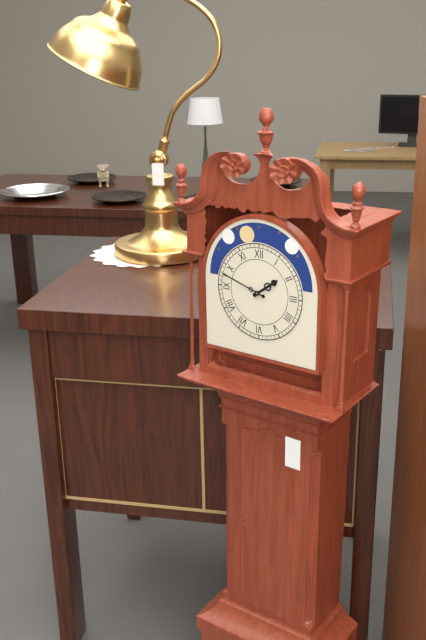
1:48
